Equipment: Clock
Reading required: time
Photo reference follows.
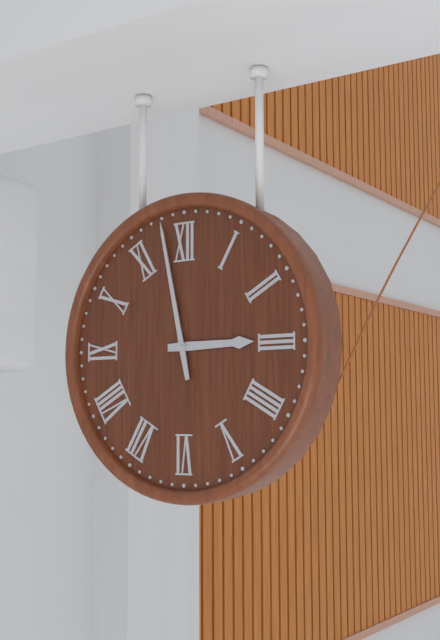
2:58
